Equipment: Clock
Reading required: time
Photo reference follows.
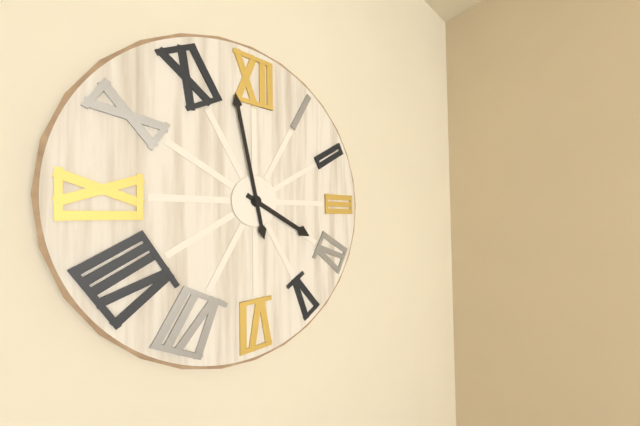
3:58
